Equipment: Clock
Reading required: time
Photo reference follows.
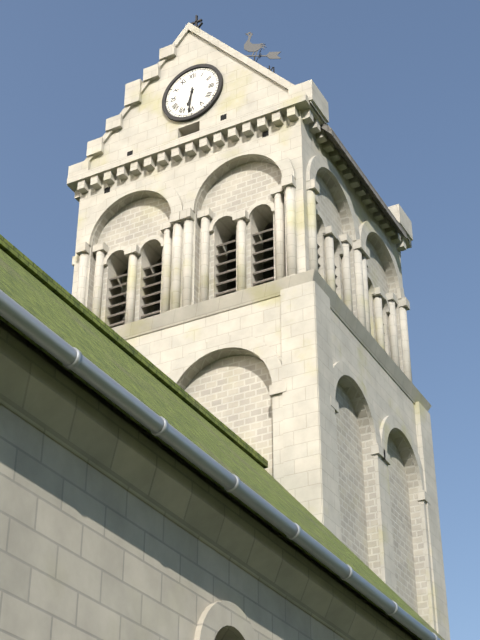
6:31
